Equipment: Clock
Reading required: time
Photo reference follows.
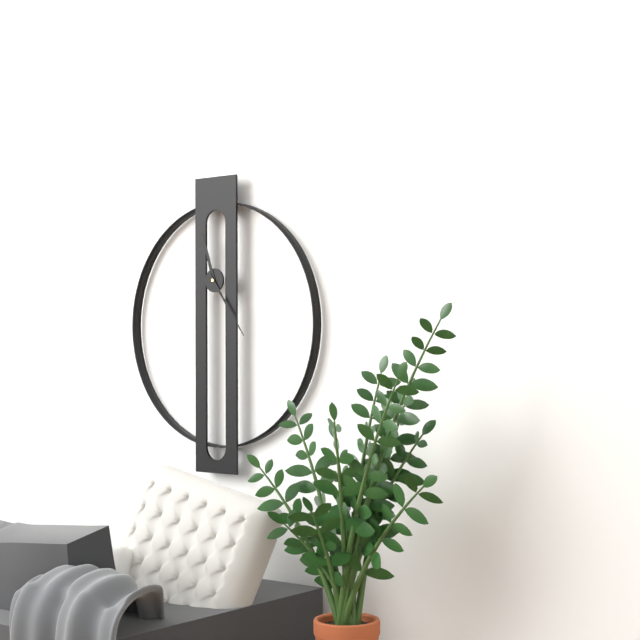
11:24
